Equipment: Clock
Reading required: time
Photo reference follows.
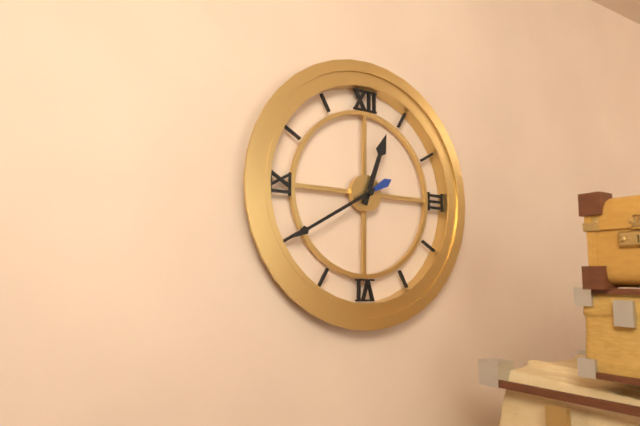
12:40
